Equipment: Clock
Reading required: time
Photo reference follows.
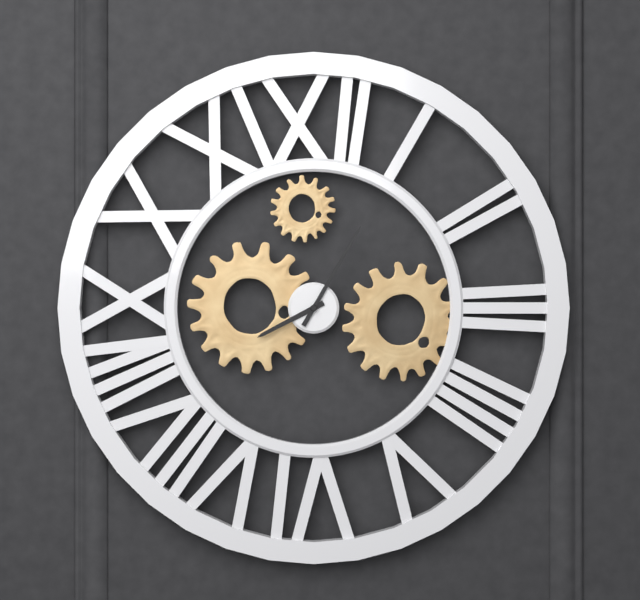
8:05
